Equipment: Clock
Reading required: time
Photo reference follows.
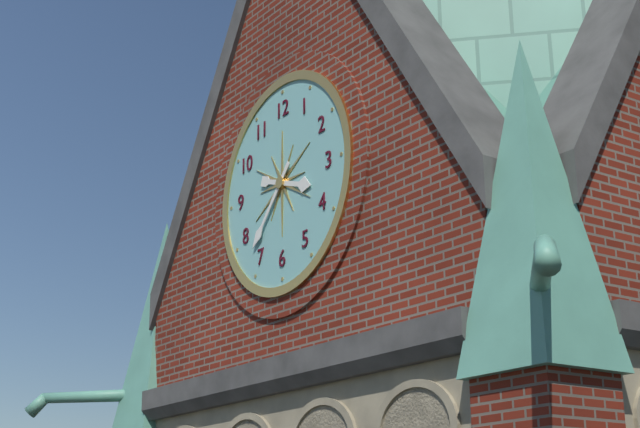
3:37
